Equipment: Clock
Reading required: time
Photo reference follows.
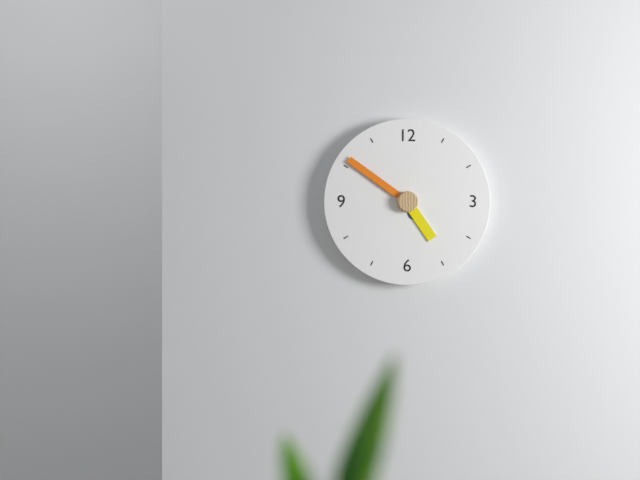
4:51
